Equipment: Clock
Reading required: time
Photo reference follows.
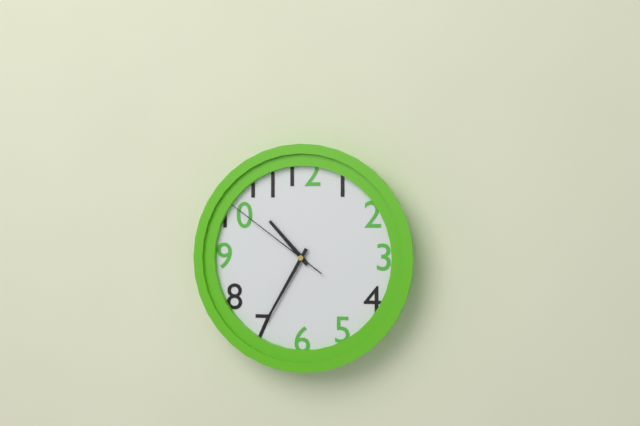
10:35:51
